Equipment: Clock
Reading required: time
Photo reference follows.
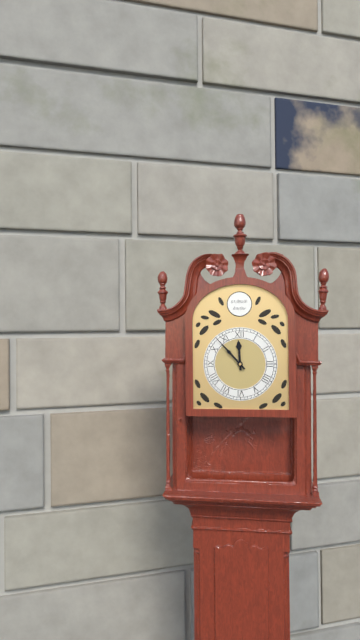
11:53
